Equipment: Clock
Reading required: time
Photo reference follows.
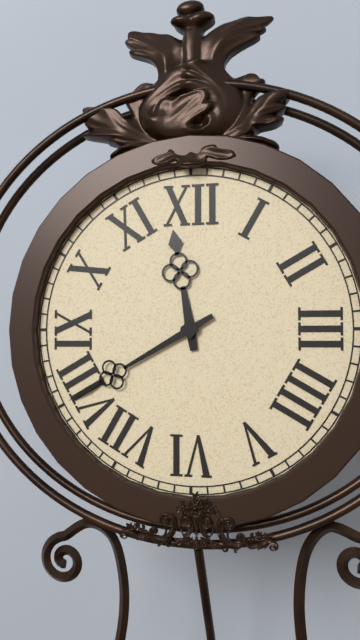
11:40
